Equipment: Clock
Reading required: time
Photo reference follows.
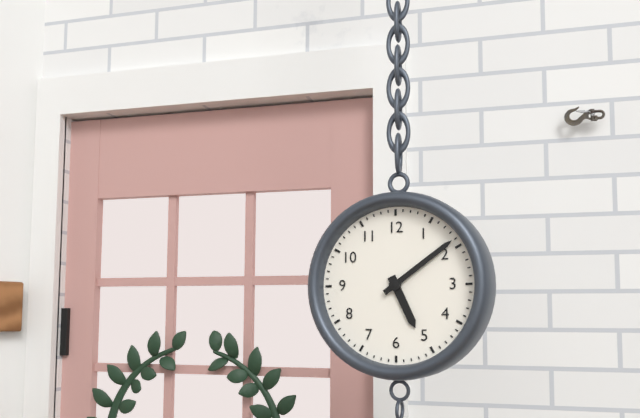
5:09
